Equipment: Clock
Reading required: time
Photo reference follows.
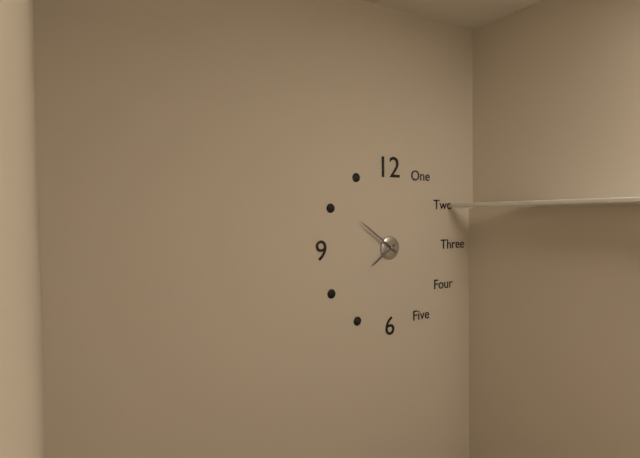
7:51
